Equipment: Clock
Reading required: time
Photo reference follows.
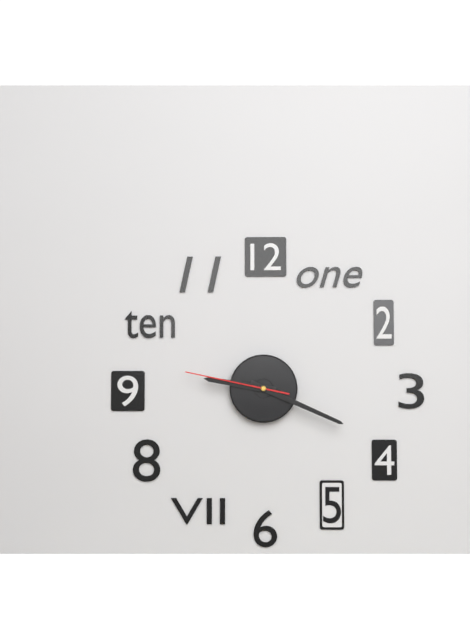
9:19:47
